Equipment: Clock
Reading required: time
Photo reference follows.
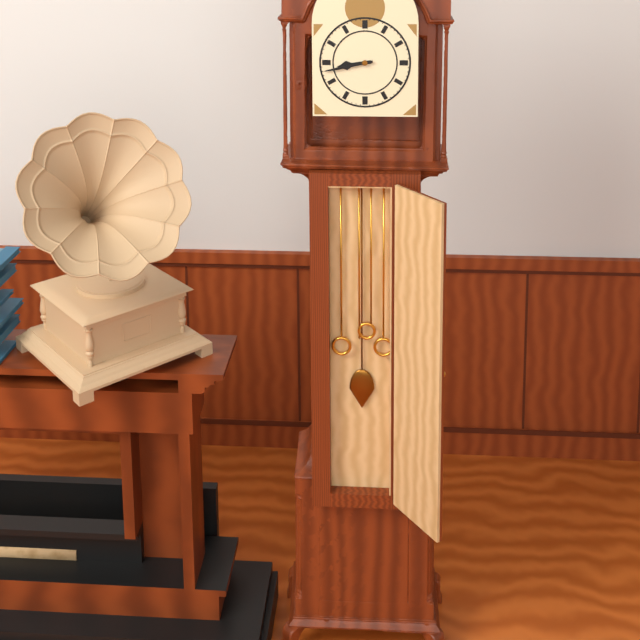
8:43
